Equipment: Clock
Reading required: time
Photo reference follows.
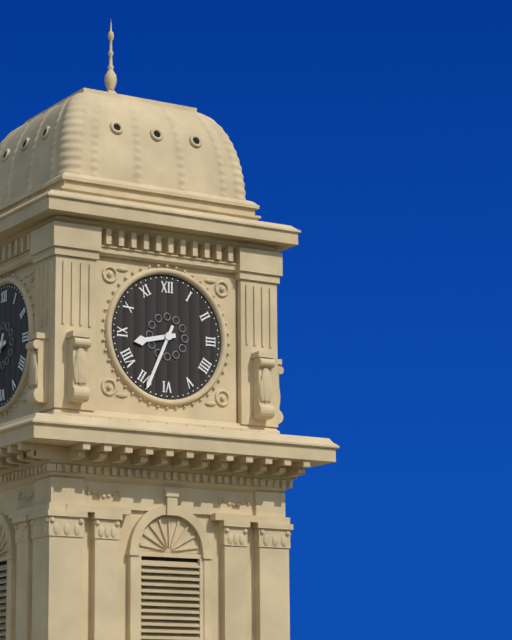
8:34
